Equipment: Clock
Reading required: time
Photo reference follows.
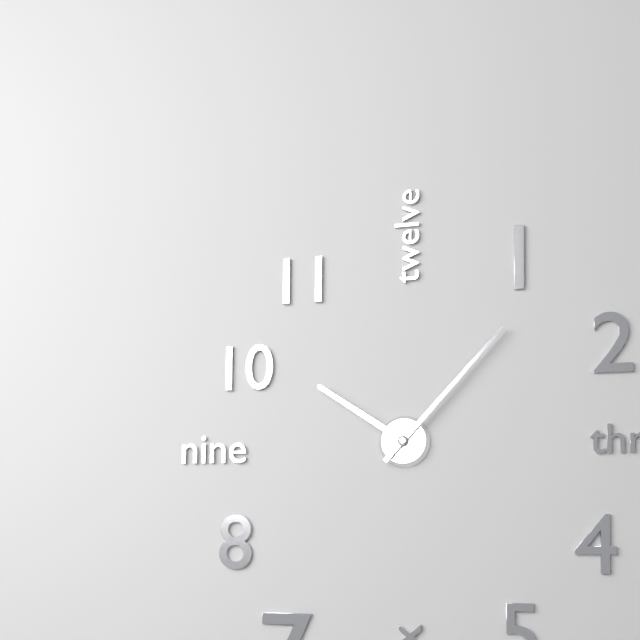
10:07
